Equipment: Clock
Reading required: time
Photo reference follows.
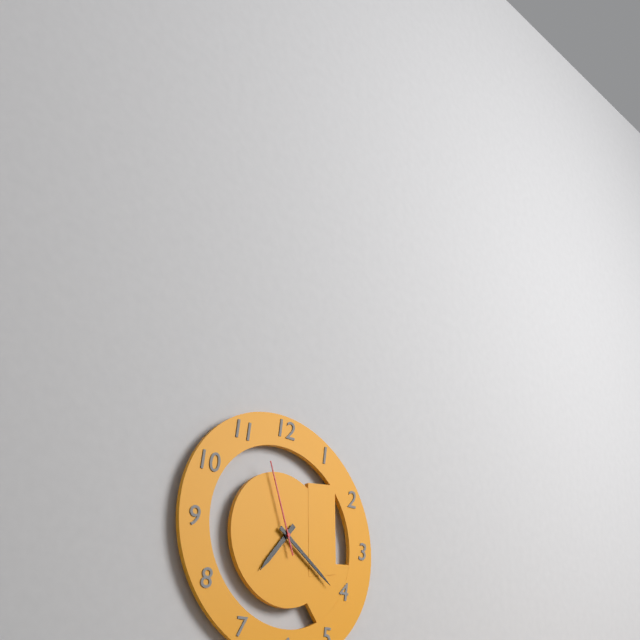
7:21:57
